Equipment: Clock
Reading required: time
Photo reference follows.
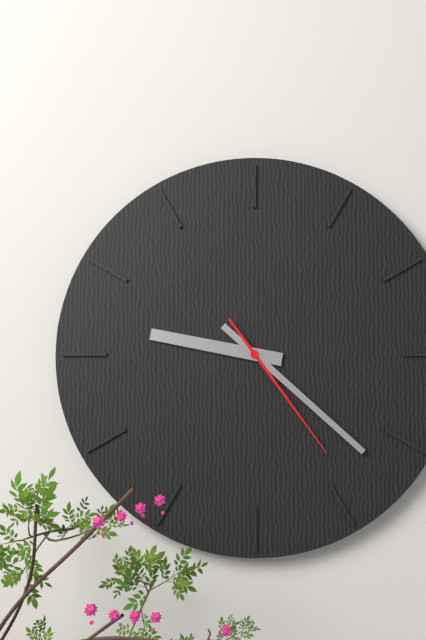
9:22:24
